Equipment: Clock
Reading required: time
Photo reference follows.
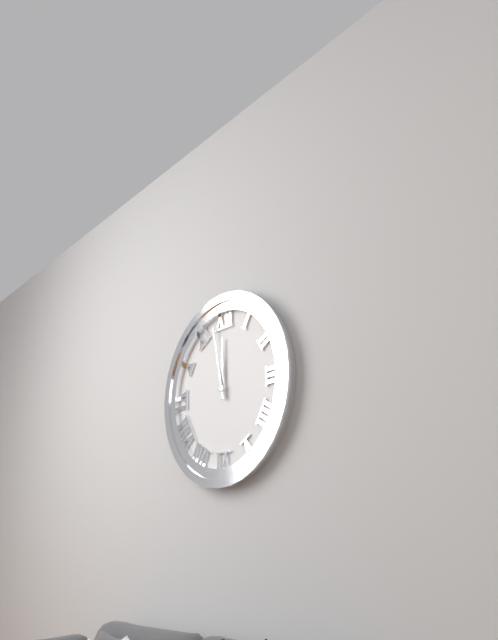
11:58
